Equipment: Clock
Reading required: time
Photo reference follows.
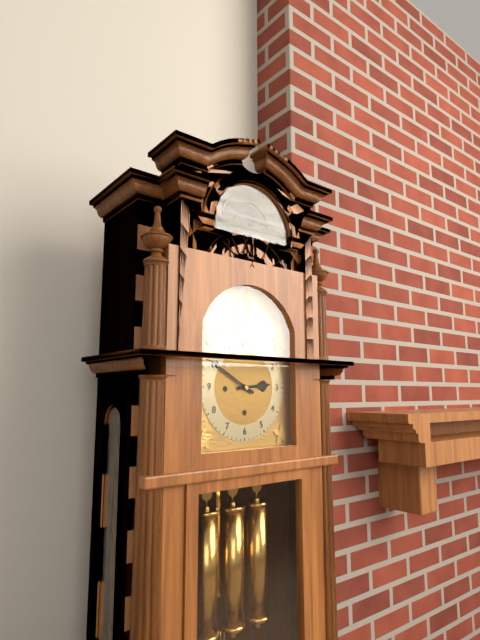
2:50
